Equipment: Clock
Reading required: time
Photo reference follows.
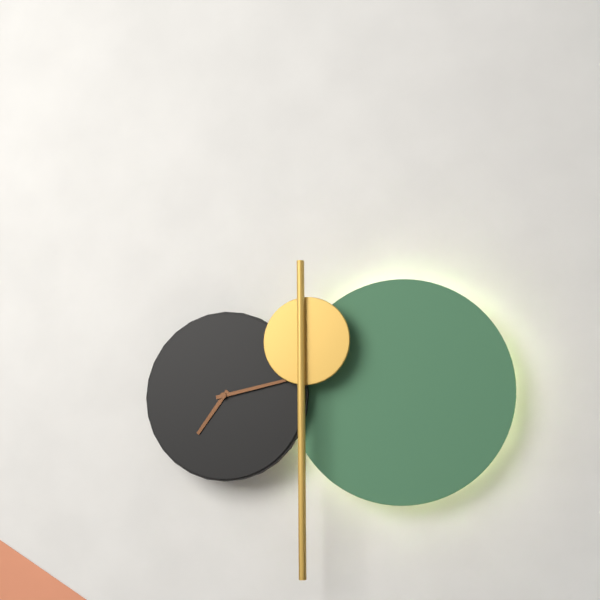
7:13
